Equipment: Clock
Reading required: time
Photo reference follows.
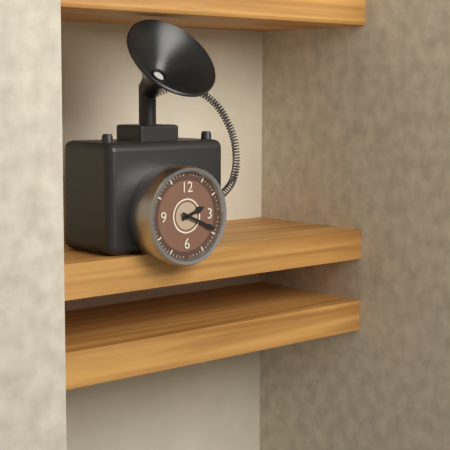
2:19
